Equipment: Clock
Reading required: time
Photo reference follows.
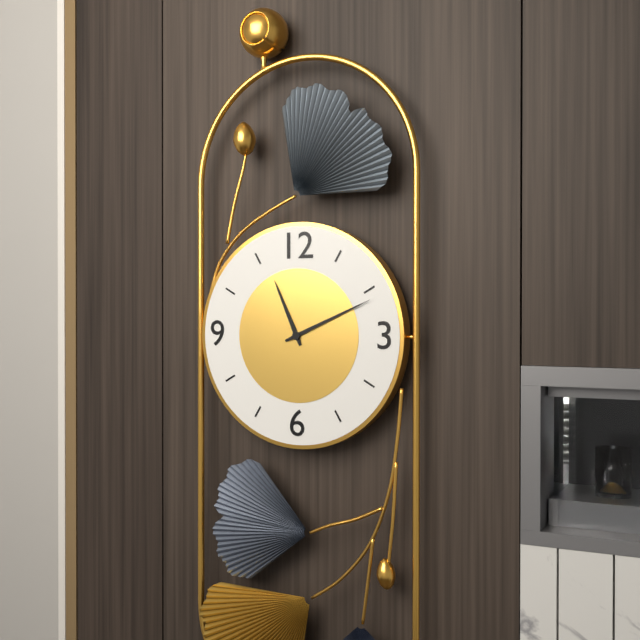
11:11
